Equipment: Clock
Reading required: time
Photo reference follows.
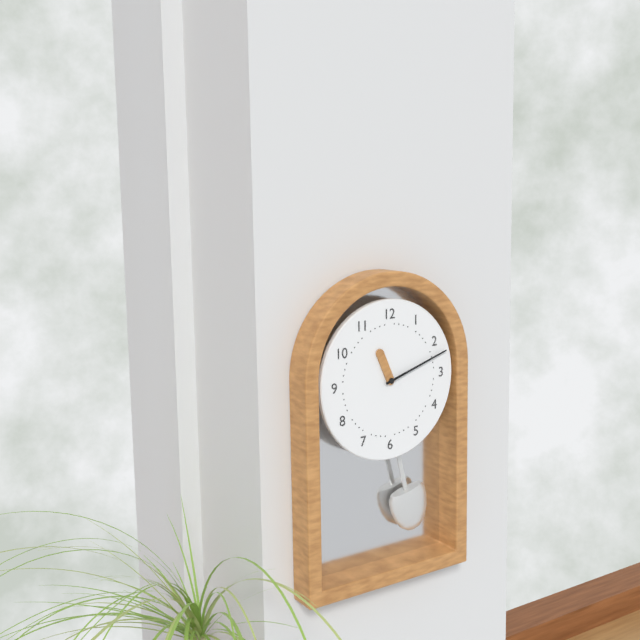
11:12
